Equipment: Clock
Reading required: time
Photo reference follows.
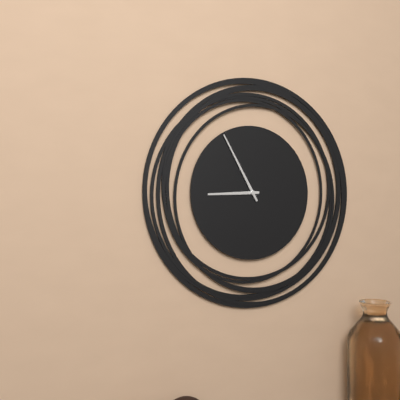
8:55
